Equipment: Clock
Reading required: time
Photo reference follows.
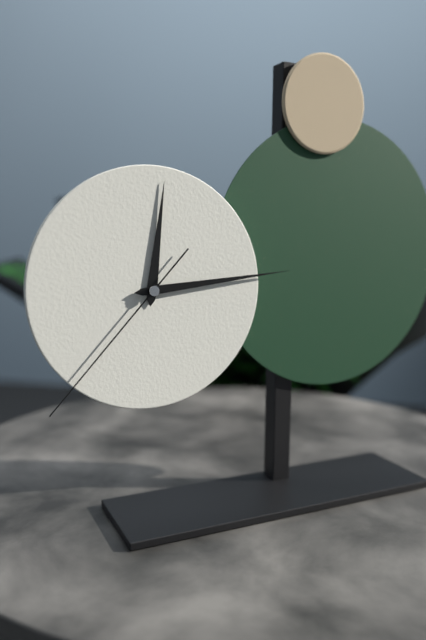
12:14:37
